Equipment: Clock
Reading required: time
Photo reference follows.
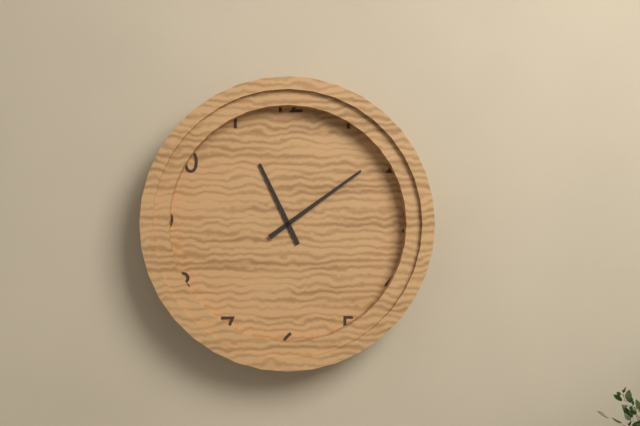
11:09
